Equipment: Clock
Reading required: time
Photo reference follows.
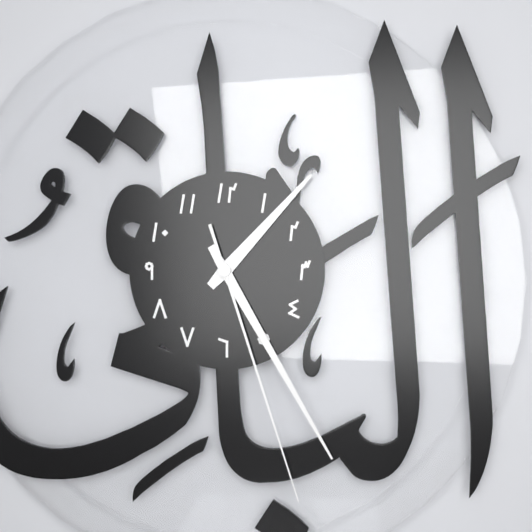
1:25:27
